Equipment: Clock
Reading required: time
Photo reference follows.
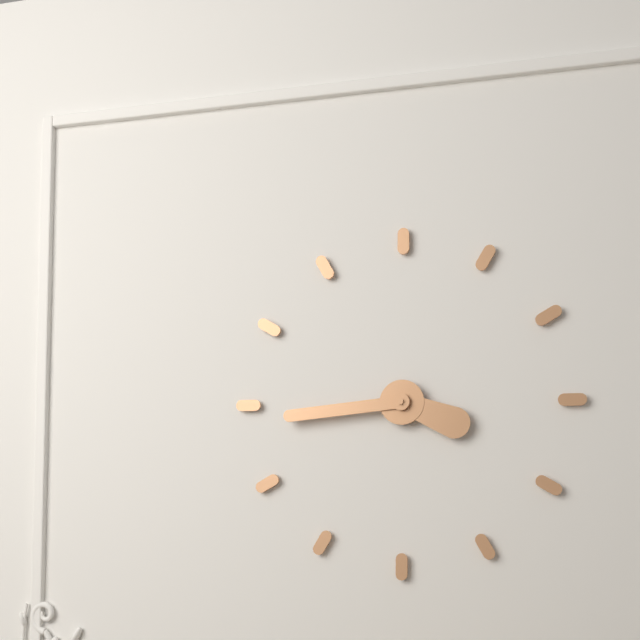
3:44
